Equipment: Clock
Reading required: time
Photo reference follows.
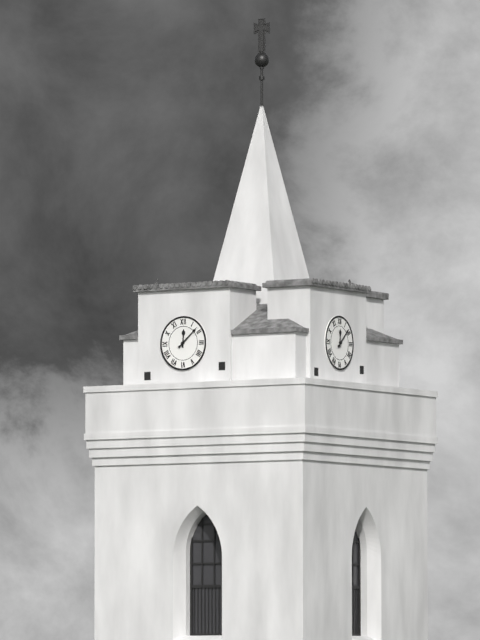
12:08
